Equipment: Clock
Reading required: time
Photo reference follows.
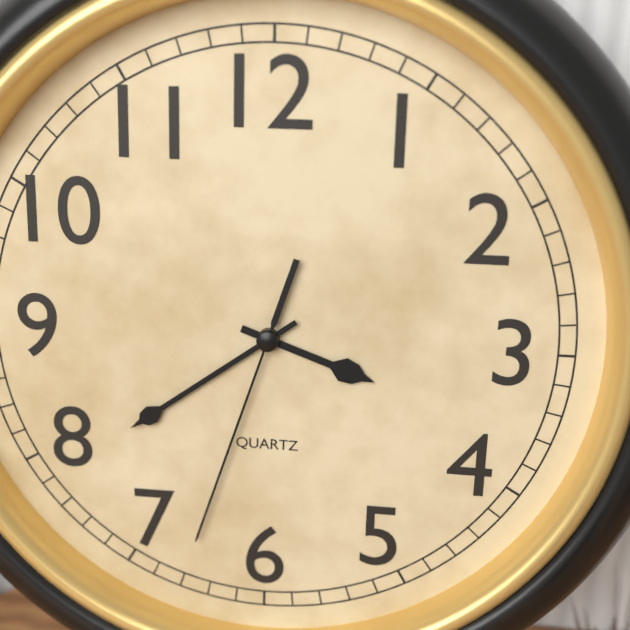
3:39:33
